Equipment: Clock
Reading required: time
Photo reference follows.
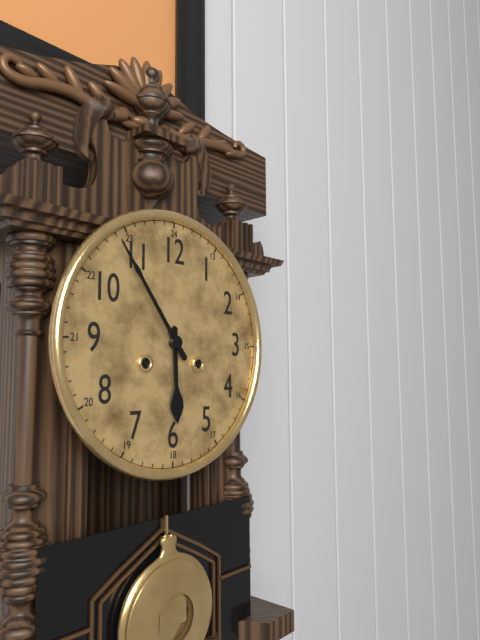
5:54
